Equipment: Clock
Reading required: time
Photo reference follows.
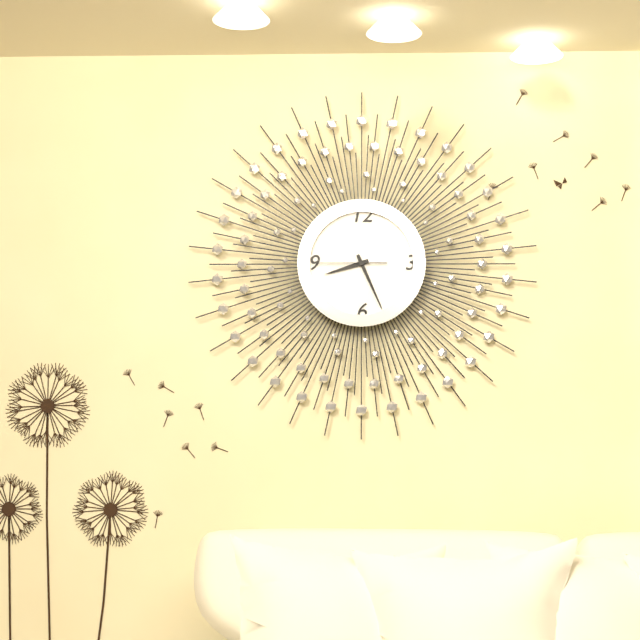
8:26:45
